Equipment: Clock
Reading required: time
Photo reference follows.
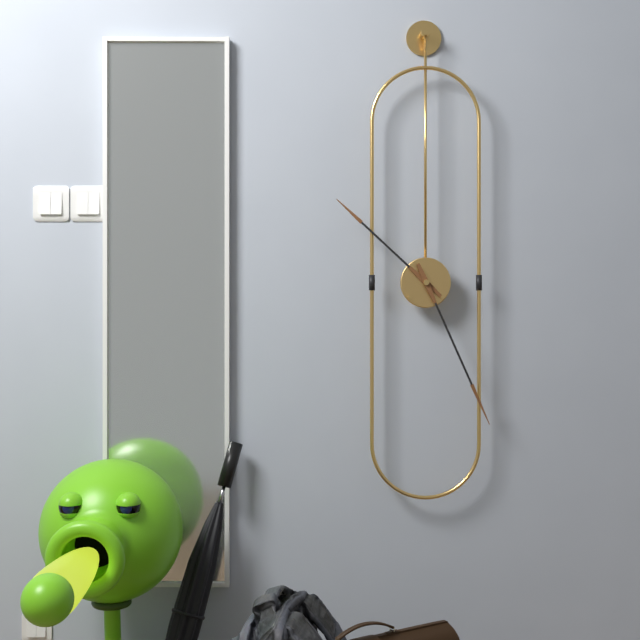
10:26
